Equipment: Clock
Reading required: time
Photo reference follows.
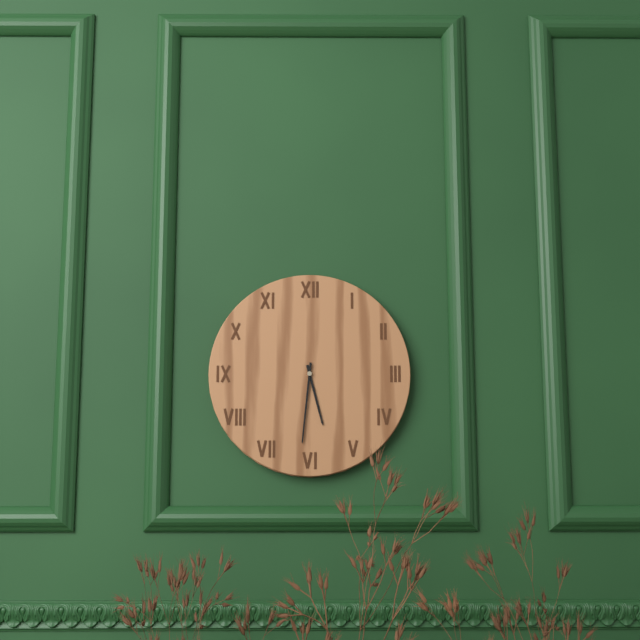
5:31
